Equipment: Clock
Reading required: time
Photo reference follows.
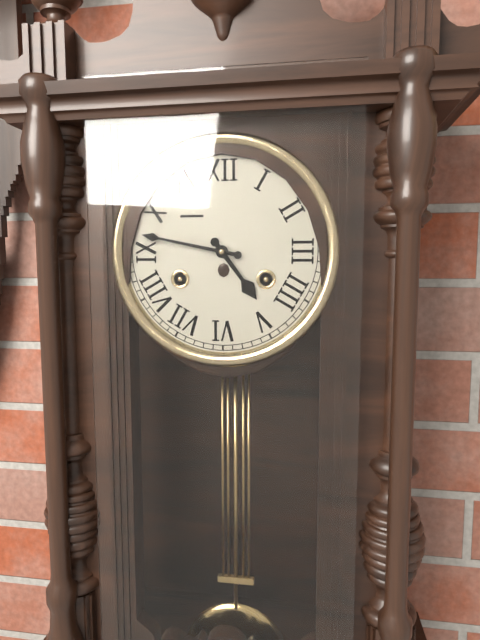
4:47
